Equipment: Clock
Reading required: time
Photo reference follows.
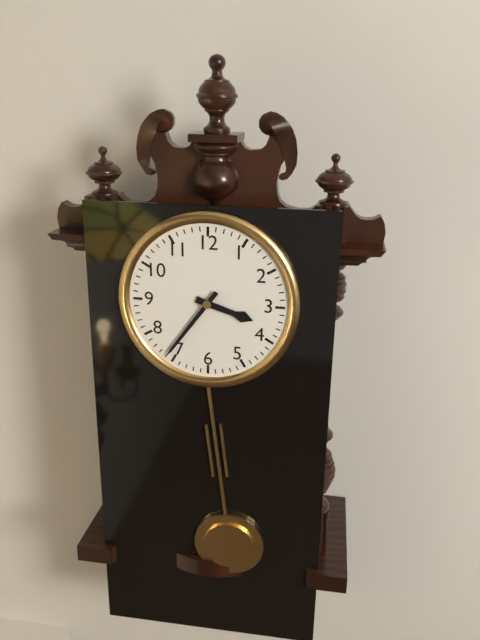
3:36
